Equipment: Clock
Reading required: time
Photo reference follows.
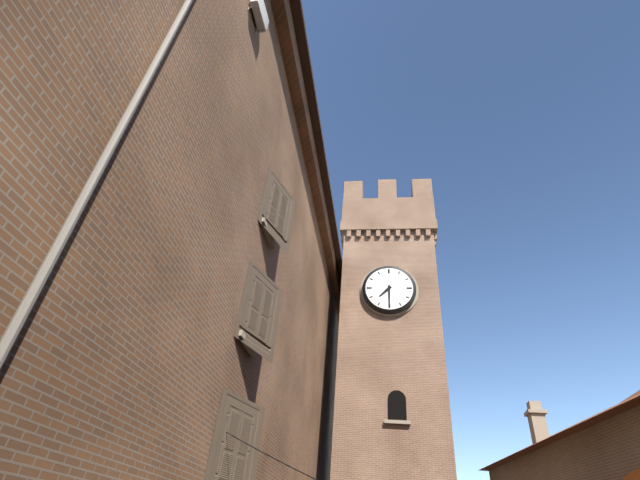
7:30
